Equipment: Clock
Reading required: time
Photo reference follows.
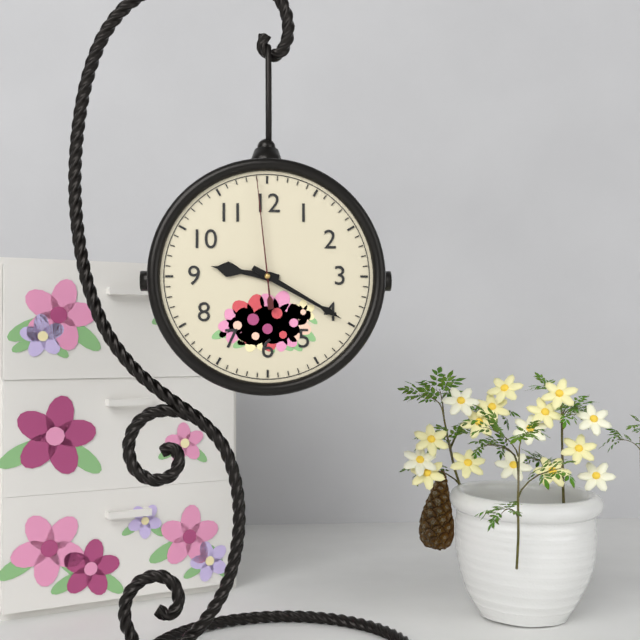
9:20:59
